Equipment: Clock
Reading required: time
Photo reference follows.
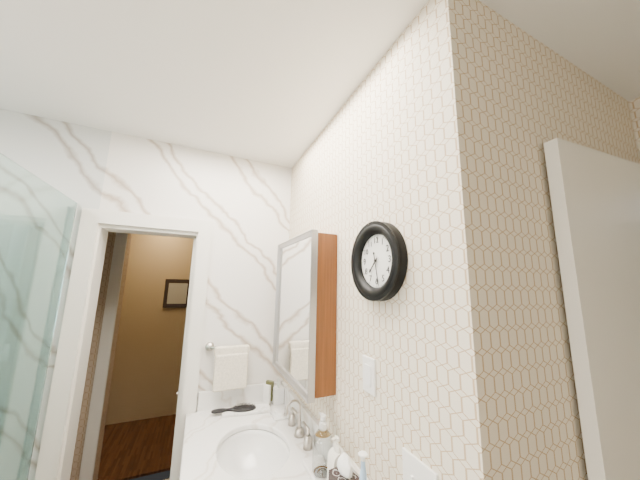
7:28
